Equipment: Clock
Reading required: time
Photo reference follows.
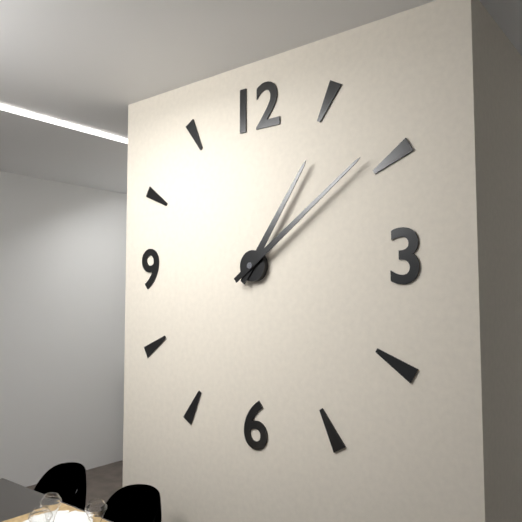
1:09
